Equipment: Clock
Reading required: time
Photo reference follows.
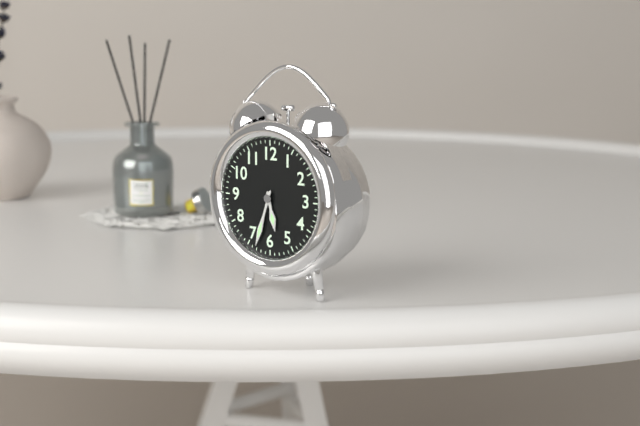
5:33
